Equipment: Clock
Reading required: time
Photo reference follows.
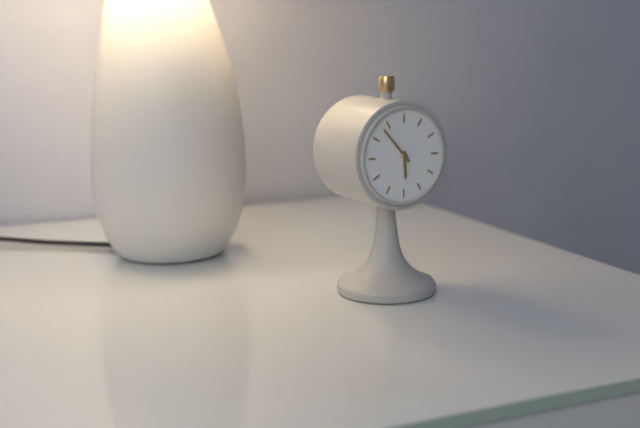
5:53
